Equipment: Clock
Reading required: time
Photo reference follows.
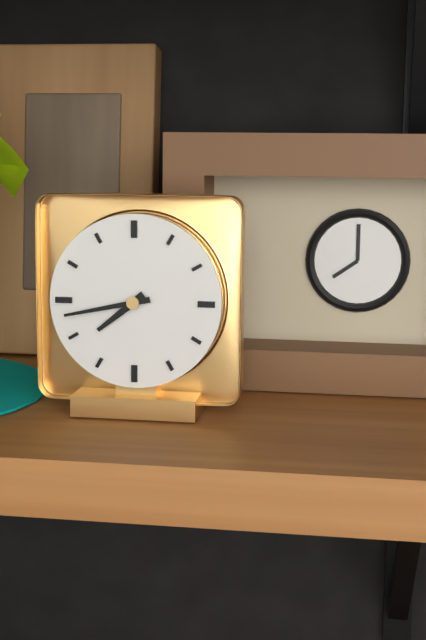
7:43
